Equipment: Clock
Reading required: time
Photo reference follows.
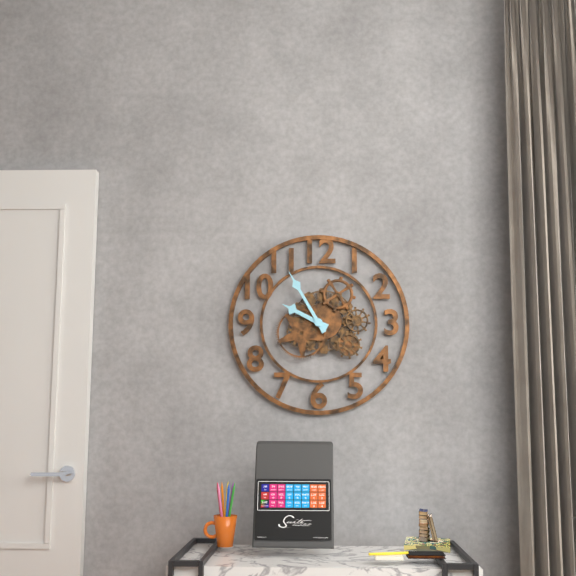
9:55
